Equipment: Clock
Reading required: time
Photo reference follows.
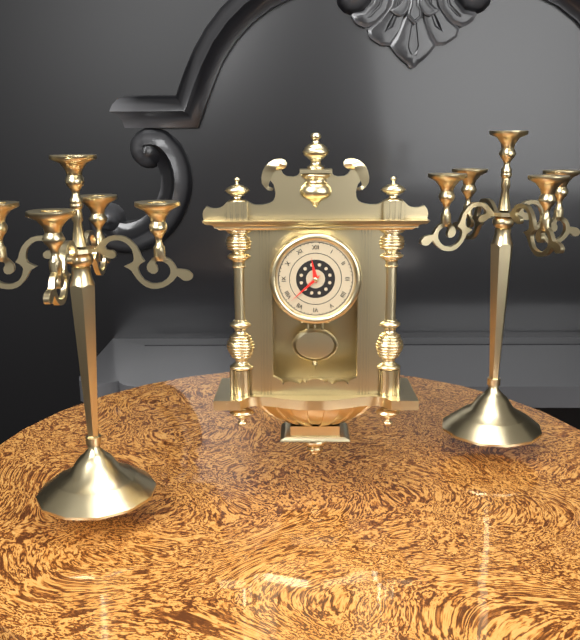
11:38
